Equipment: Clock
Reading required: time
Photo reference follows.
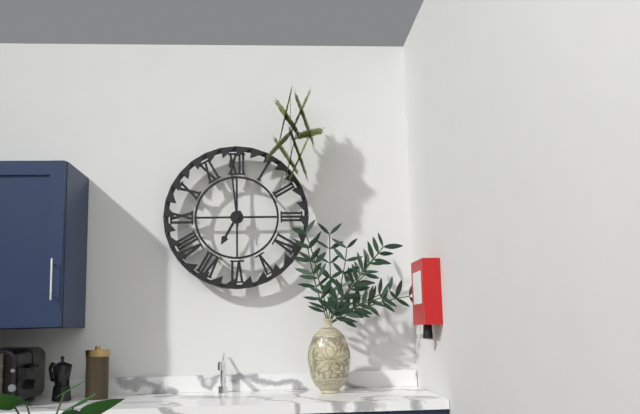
6:59
